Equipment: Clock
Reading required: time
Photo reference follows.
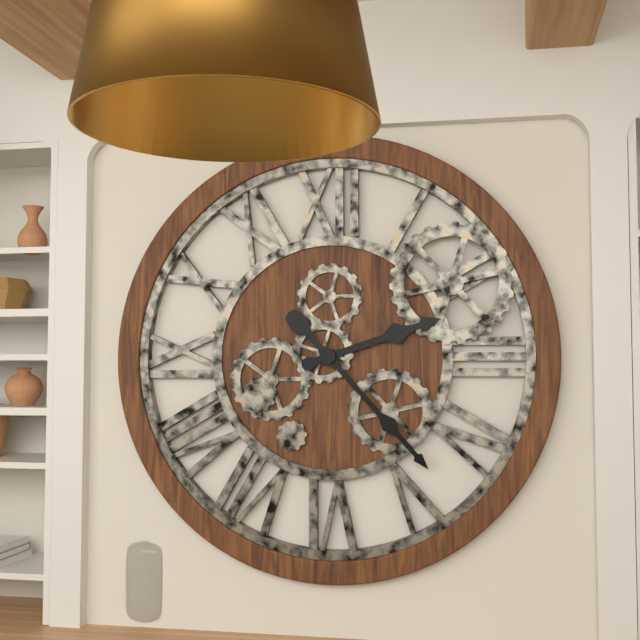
2:23
